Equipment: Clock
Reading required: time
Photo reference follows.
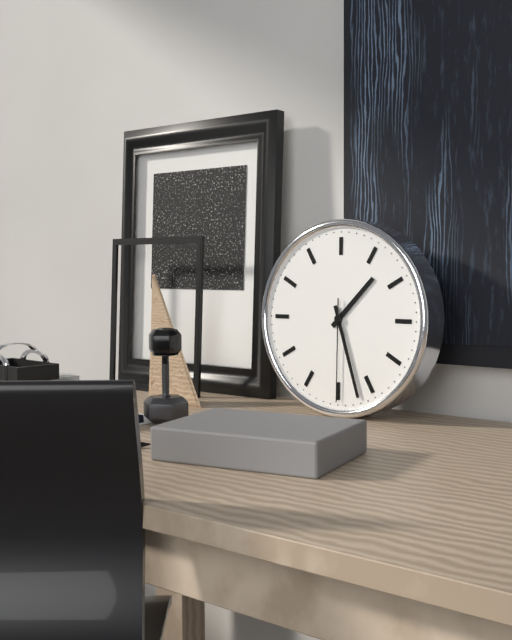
1:27:30
